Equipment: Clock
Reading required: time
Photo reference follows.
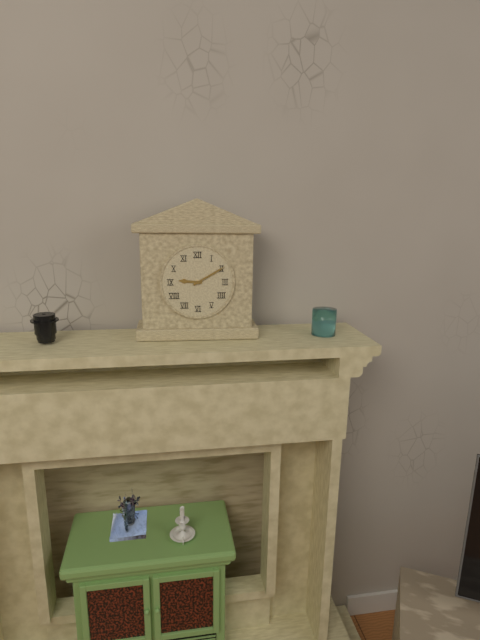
9:10
